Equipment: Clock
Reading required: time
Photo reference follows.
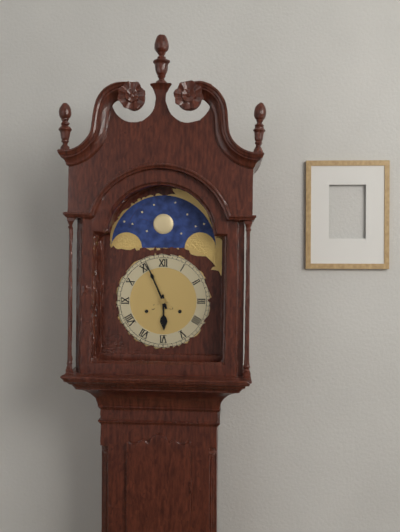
5:56
